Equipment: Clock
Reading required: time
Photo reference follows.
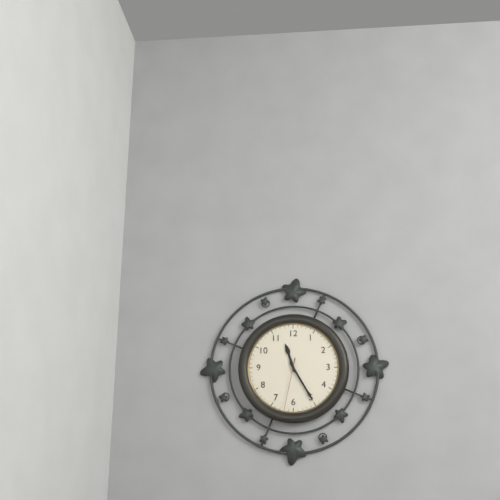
11:25:32
